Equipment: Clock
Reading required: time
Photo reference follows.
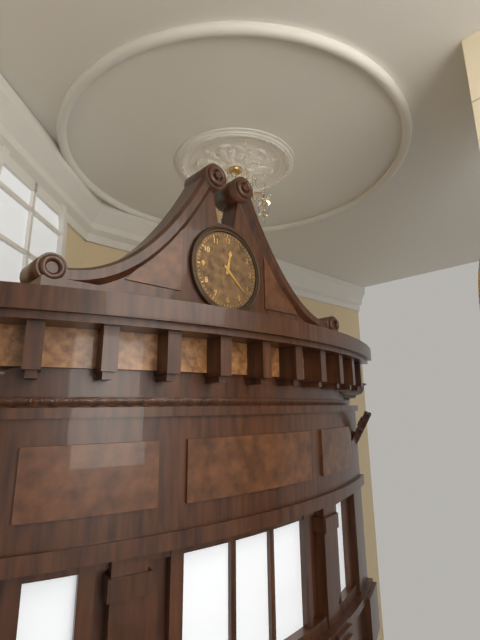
12:22
